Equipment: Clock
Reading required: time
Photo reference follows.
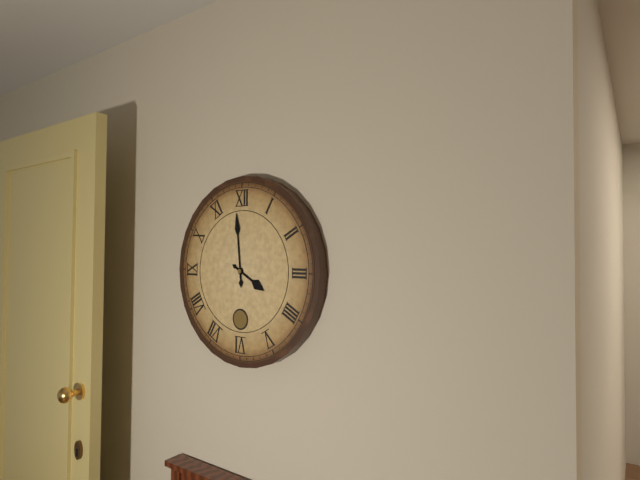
3:59
